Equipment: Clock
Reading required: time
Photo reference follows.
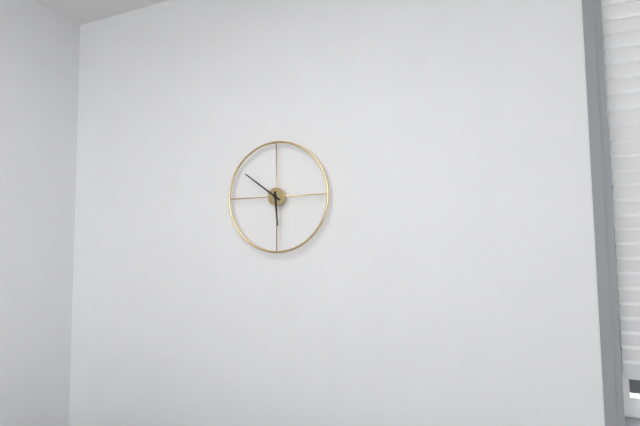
5:51
